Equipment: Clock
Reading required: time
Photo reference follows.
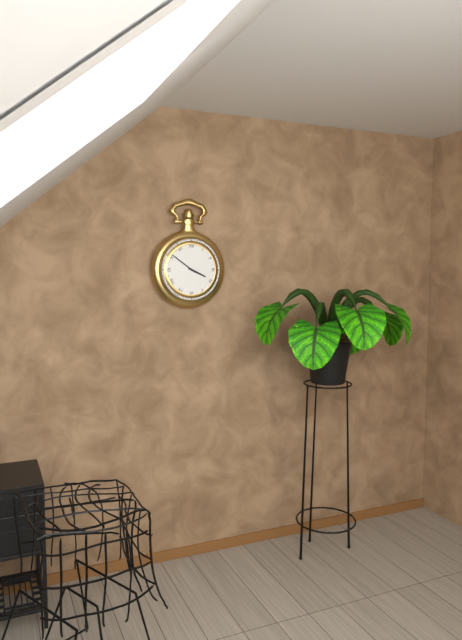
3:51
